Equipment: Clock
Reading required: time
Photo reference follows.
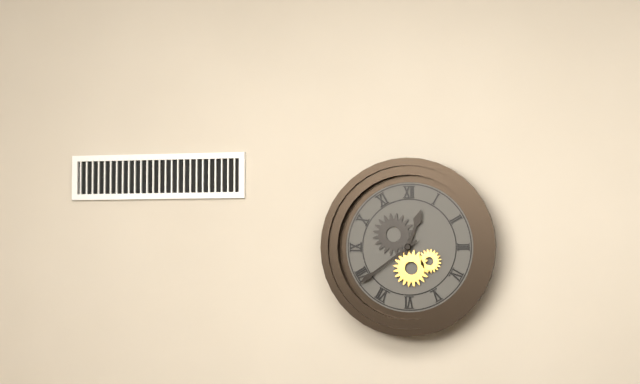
12:39
